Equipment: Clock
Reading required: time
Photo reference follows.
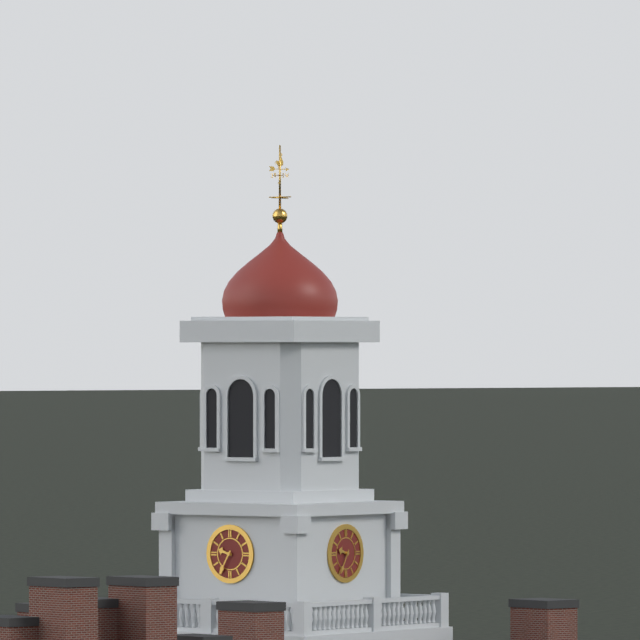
9:35
